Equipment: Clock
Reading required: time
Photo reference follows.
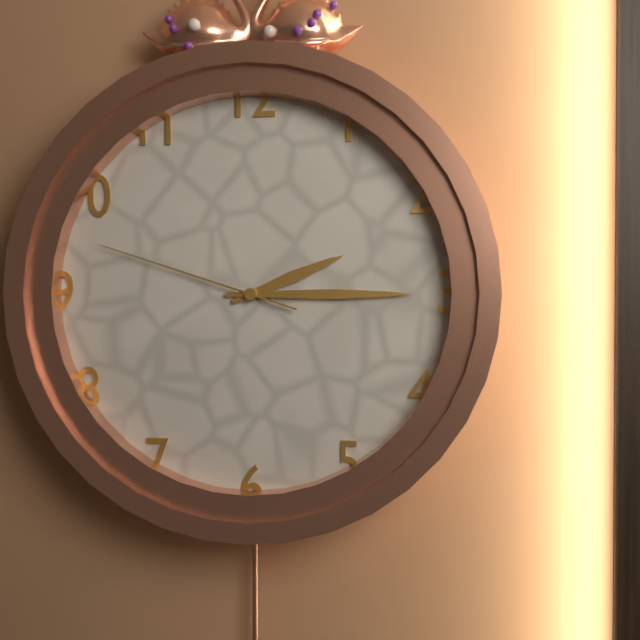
2:15:48
